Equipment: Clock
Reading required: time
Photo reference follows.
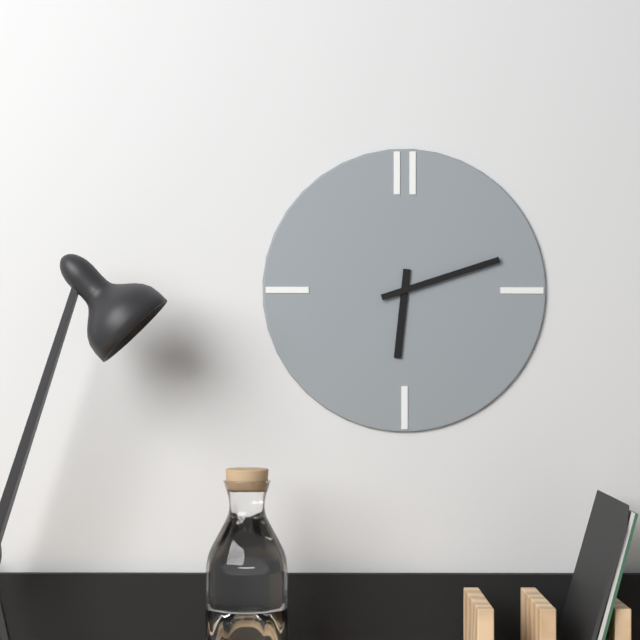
6:12
